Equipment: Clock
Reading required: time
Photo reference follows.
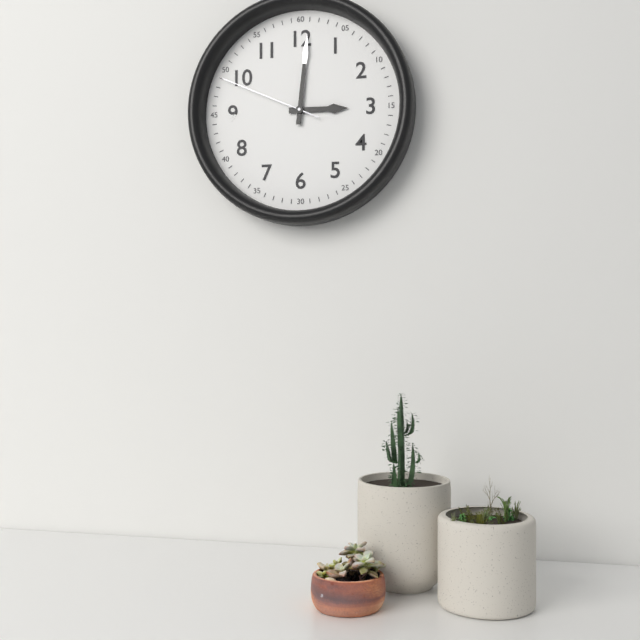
3:01:49
